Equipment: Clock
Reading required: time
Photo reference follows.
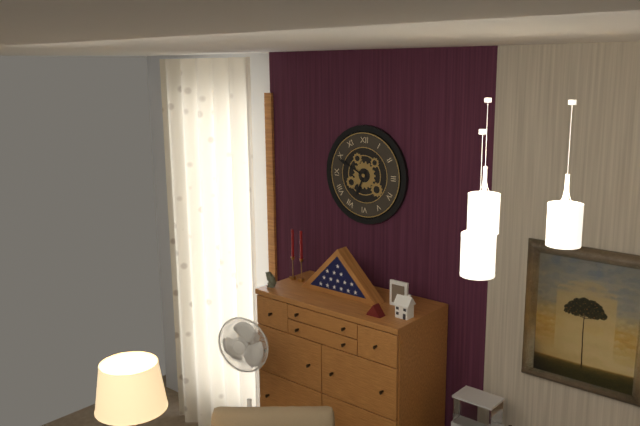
6:49
